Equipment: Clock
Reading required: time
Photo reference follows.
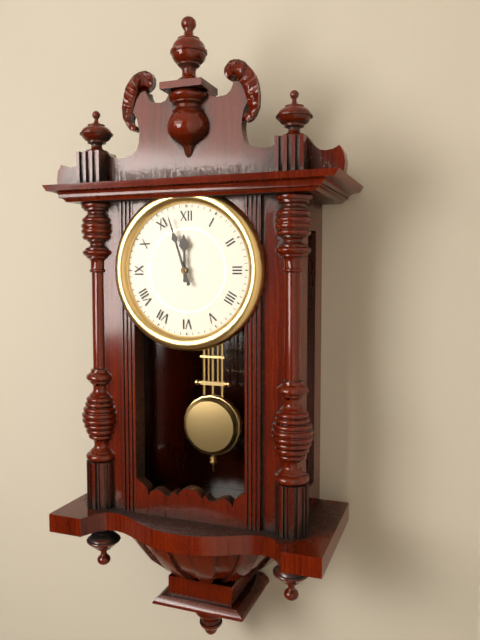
11:57
